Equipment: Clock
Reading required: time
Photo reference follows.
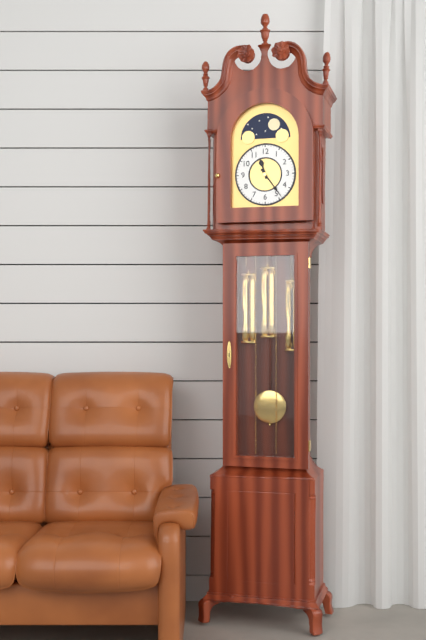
11:24
